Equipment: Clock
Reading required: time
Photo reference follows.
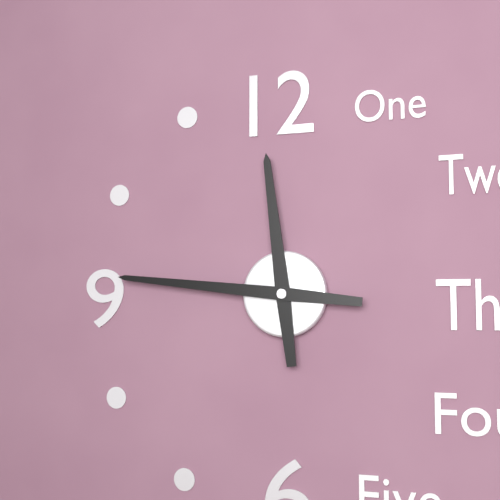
11:46
